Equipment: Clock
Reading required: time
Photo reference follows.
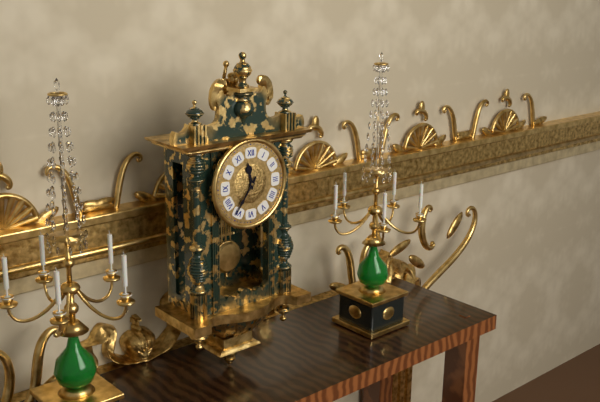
11:36
